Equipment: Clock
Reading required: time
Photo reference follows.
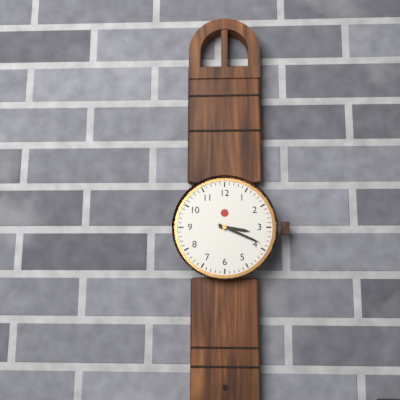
3:19
